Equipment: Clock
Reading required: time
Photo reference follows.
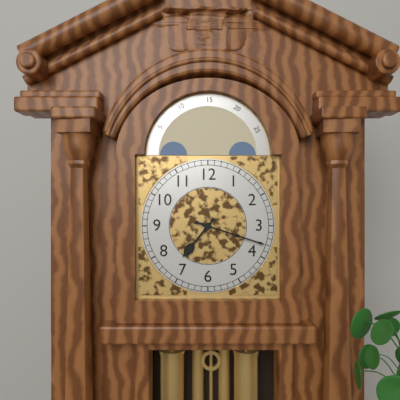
7:18
